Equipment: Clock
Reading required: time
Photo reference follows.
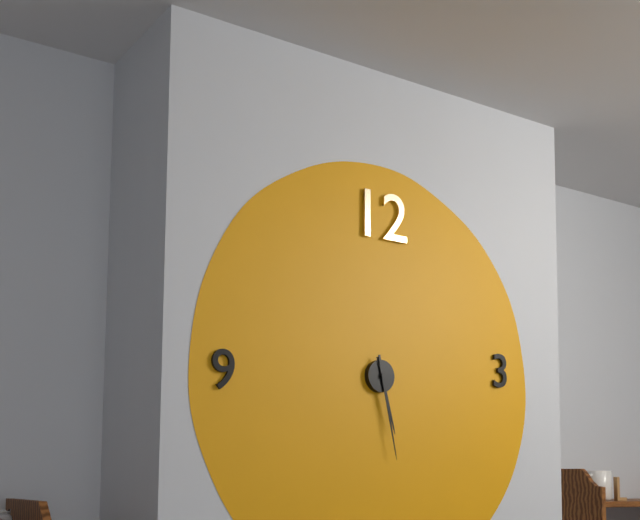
5:28
